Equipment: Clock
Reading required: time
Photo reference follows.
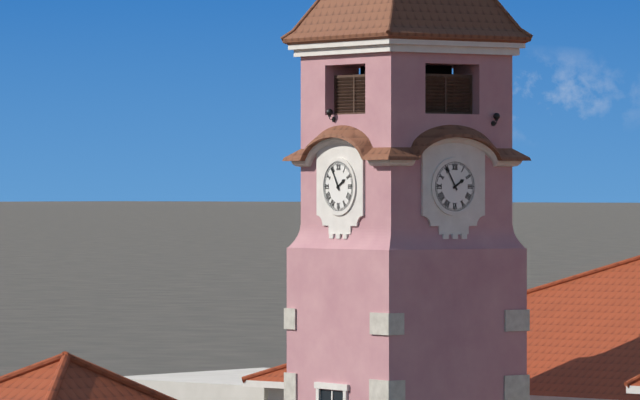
1:55
